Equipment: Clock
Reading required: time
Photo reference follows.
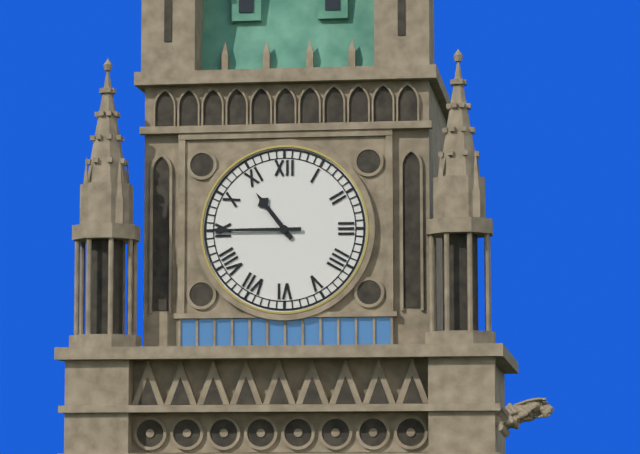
10:45
